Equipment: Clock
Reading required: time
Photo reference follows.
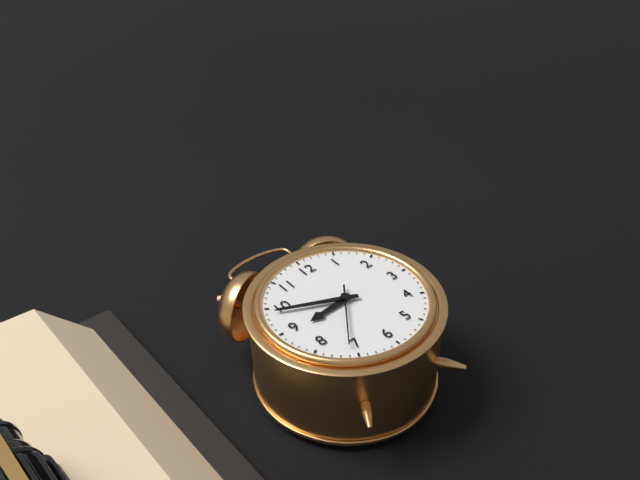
8:49:36
